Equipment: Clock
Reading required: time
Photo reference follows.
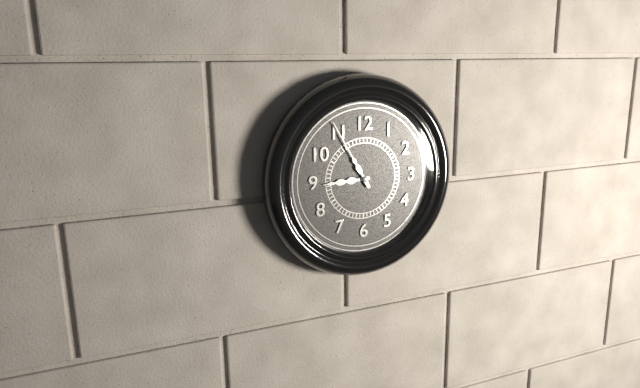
8:55
